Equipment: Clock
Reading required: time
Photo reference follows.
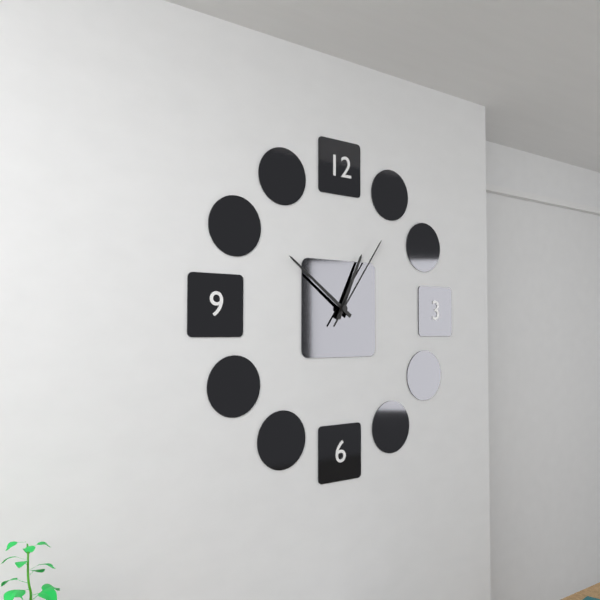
12:51:06
